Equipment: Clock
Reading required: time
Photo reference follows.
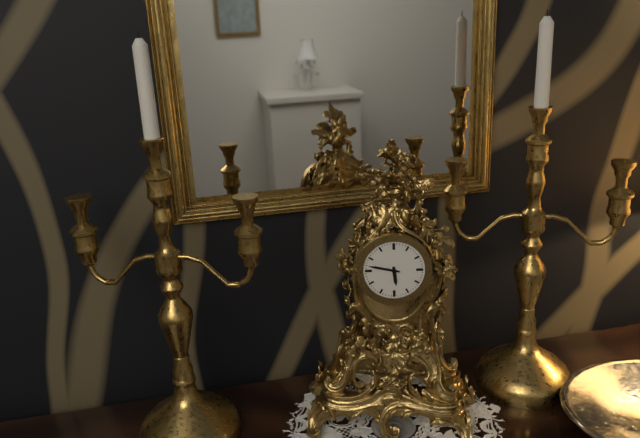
5:47
